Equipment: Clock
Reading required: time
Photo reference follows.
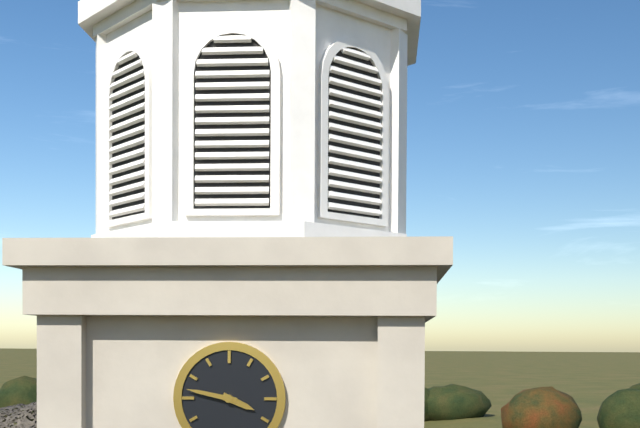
3:47
